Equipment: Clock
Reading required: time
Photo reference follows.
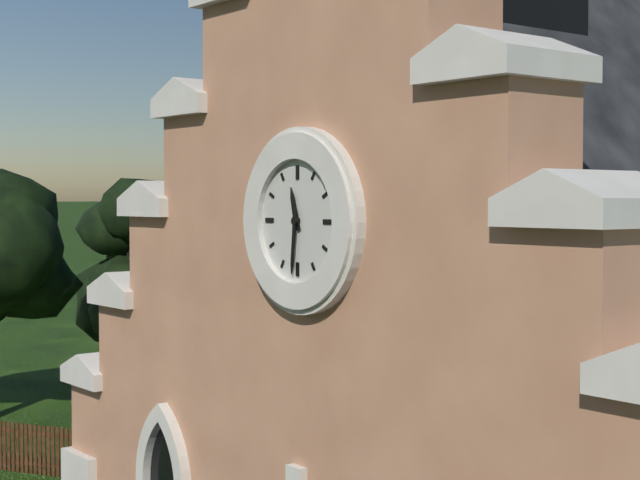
11:31
